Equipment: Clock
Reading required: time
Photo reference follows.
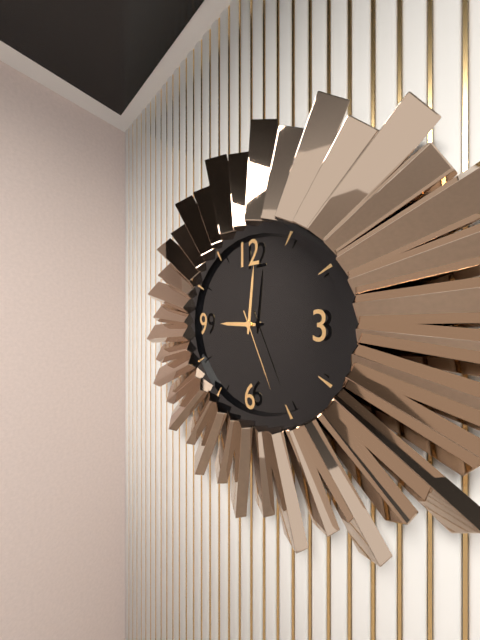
9:01:26
